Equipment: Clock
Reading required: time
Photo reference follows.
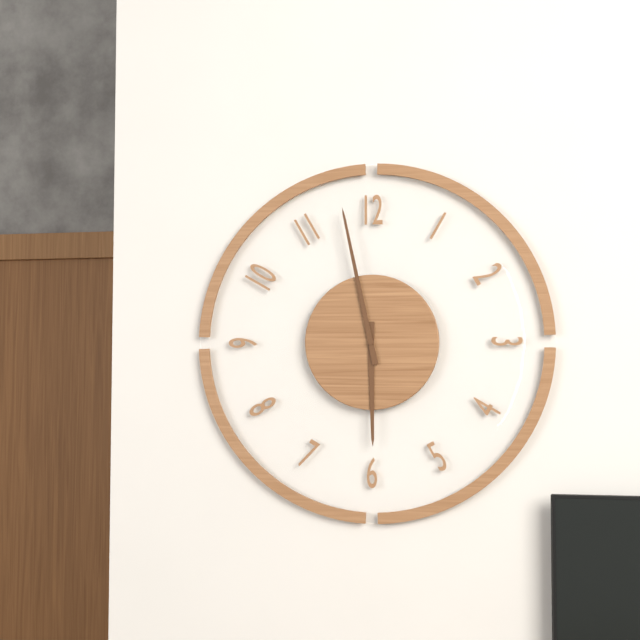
5:58
